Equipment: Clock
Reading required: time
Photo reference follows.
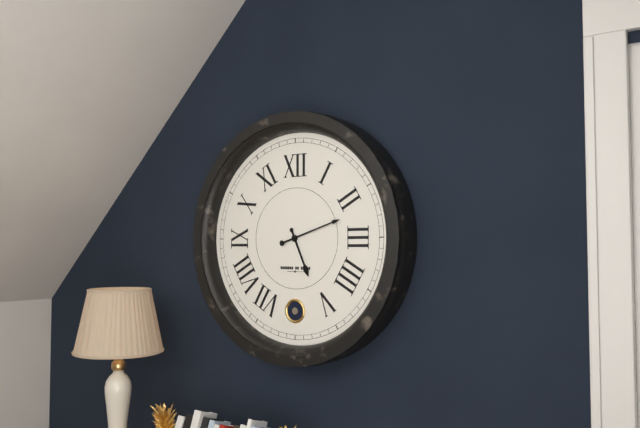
5:12
